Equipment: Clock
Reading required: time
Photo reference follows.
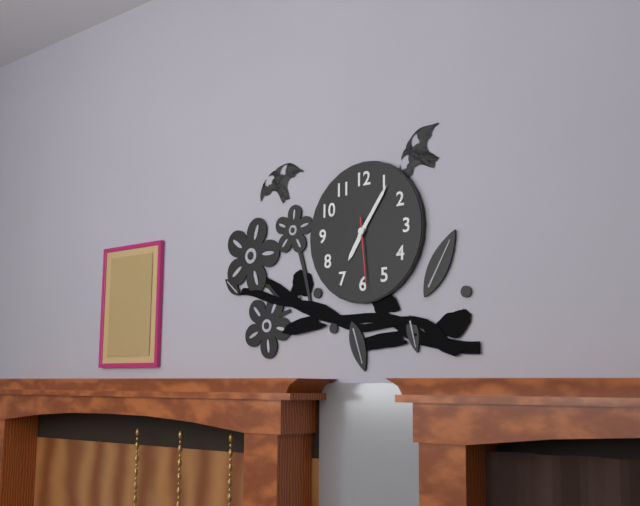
7:06:29
